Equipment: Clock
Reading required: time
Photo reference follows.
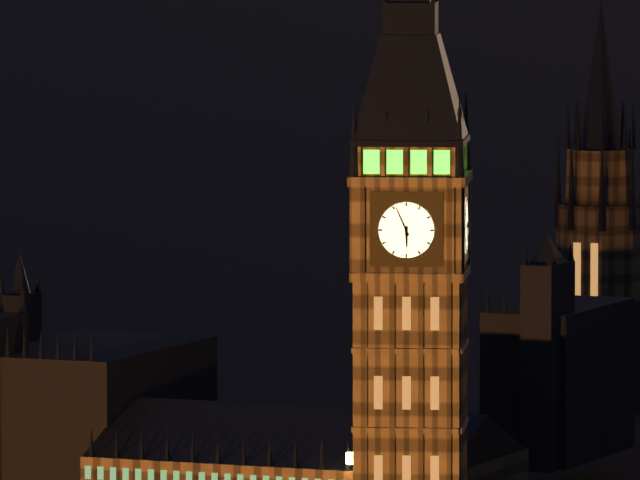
5:56
